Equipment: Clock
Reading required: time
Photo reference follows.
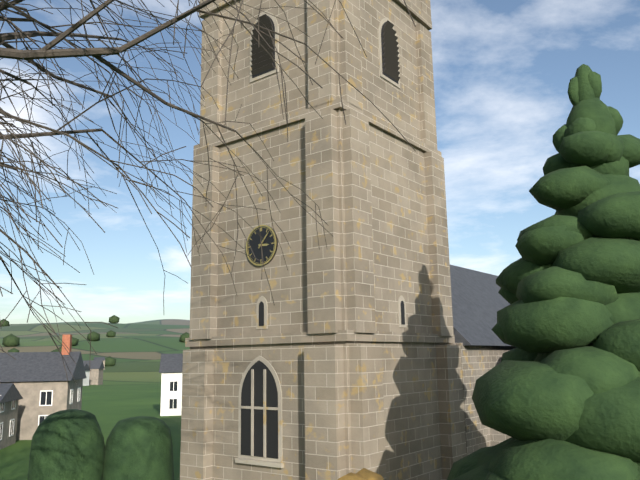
3:07
